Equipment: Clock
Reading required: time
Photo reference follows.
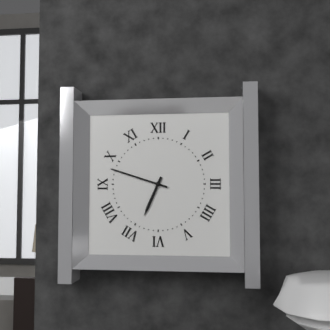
6:48
